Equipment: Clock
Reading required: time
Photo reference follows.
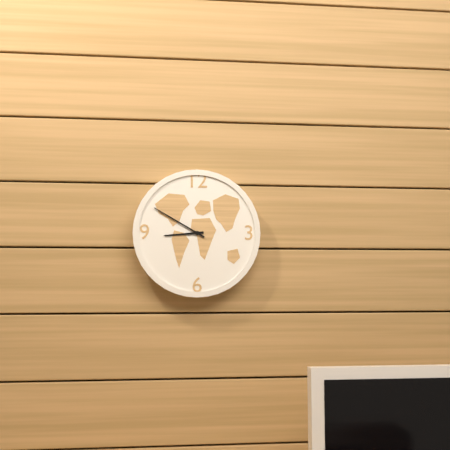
8:50
